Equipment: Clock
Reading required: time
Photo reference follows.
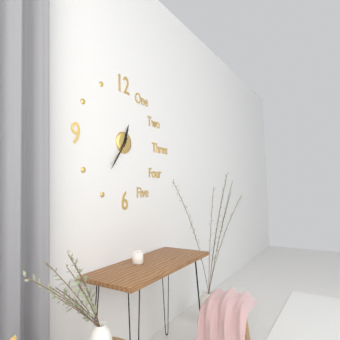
12:36
